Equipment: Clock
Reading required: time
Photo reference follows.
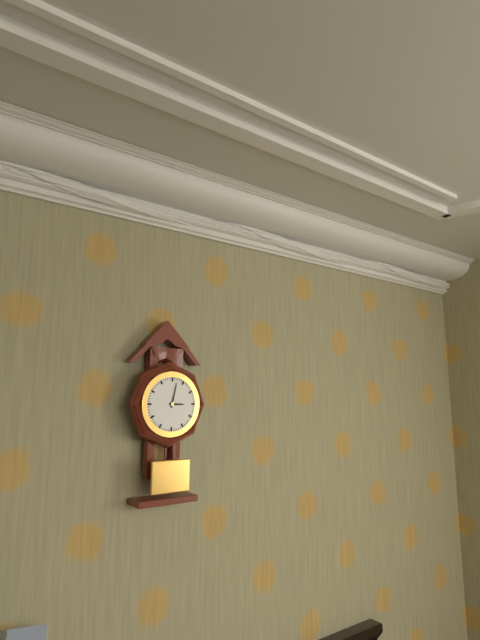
3:02
